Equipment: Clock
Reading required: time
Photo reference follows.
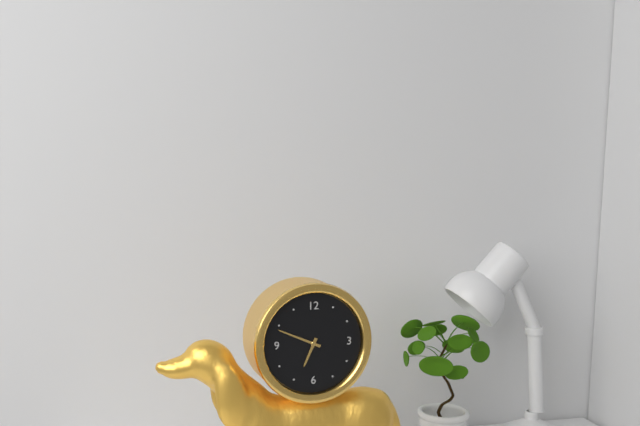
6:49
